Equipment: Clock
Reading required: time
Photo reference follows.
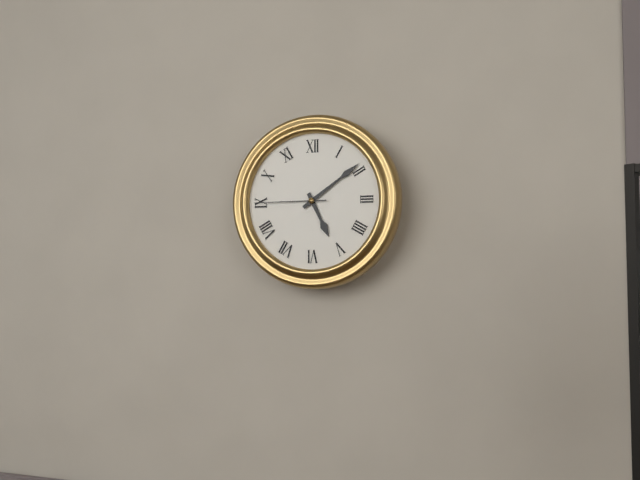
5:09:45
